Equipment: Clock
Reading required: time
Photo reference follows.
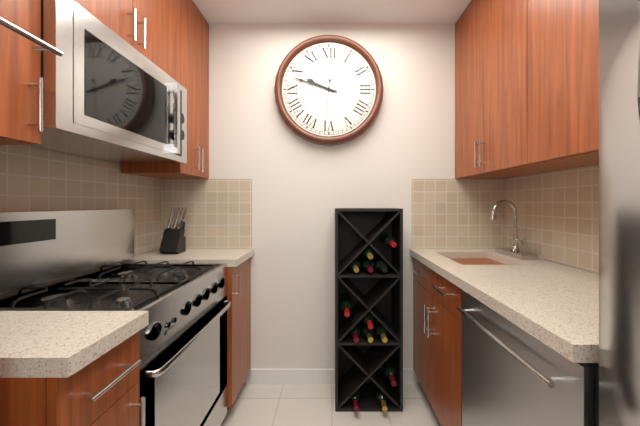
9:48:31
